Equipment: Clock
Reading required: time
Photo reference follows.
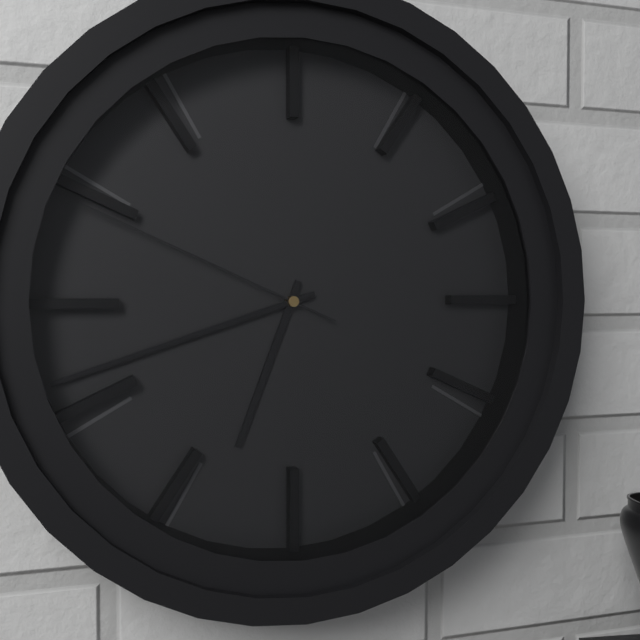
6:42:49
